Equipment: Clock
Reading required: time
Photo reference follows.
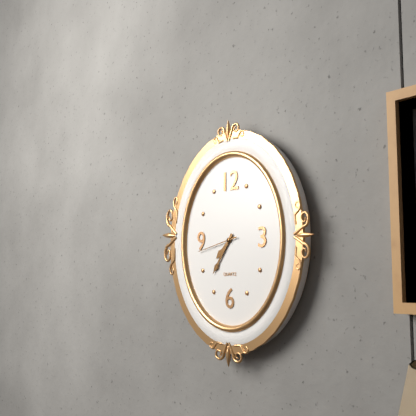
7:36:43
